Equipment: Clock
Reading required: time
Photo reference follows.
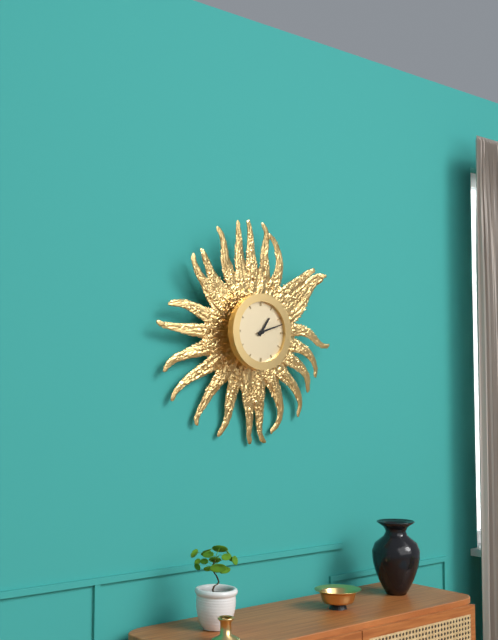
1:12
